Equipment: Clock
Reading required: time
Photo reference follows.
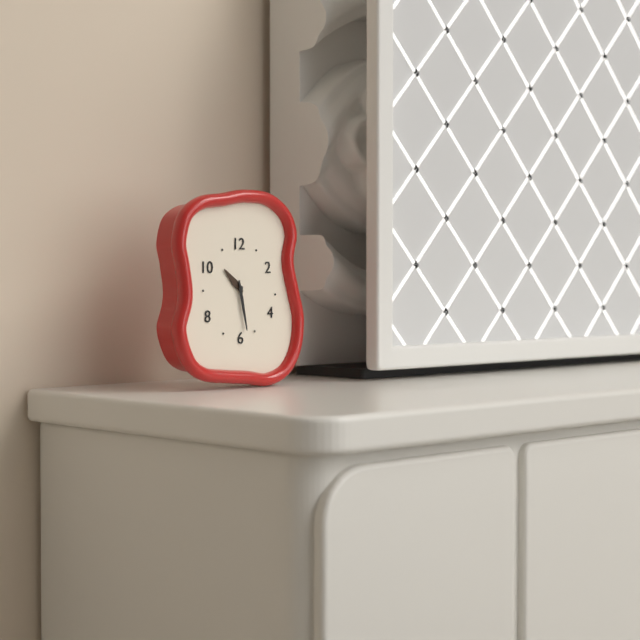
10:28
